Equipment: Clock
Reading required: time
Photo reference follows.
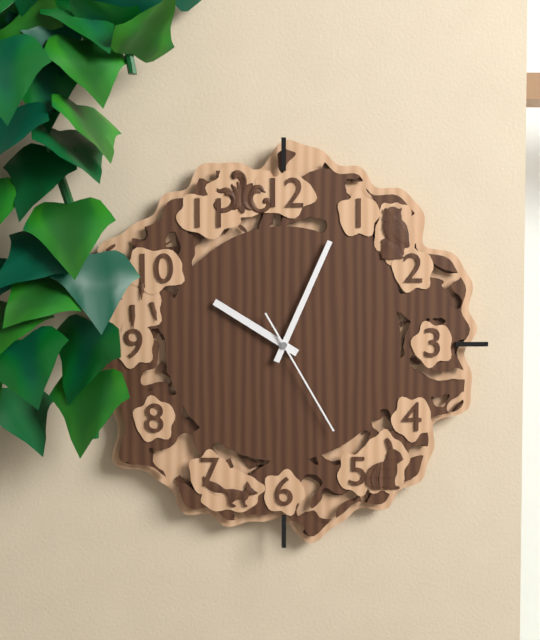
10:04:25
